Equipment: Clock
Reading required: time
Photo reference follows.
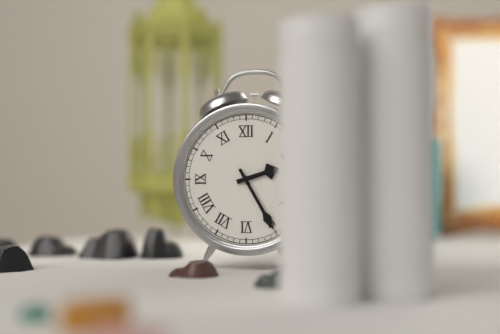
2:25
